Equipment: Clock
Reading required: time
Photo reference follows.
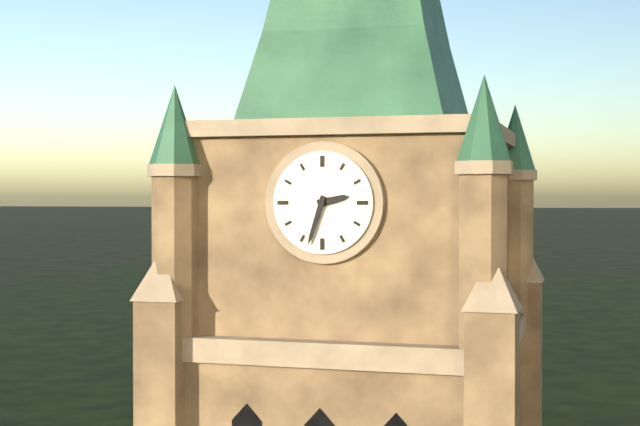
2:33
